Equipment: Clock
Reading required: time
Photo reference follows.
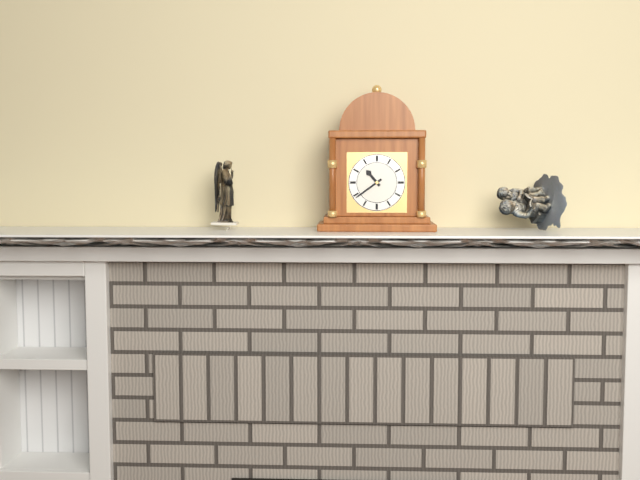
10:39
